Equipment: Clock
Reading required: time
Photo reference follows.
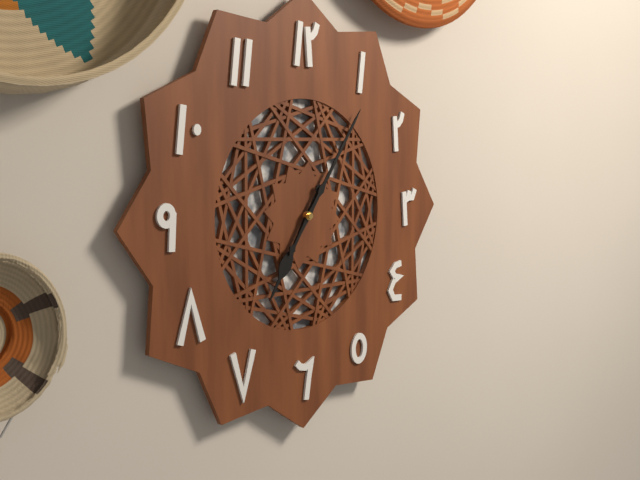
7:06
